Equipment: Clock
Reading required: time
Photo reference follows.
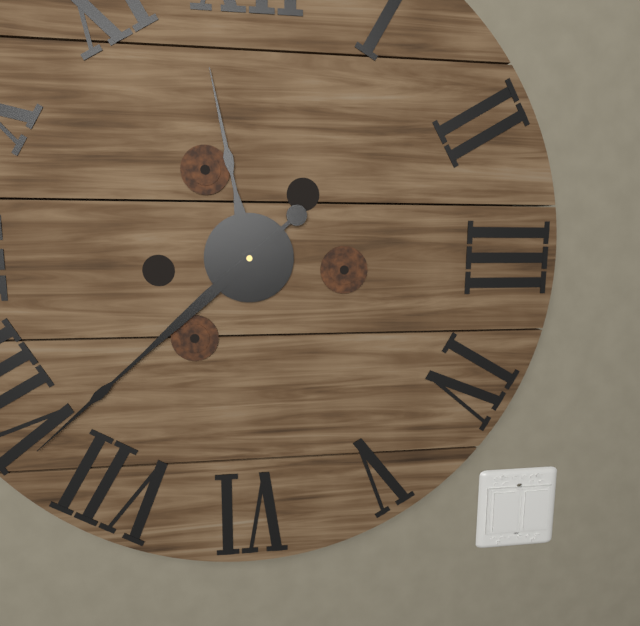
11:38
